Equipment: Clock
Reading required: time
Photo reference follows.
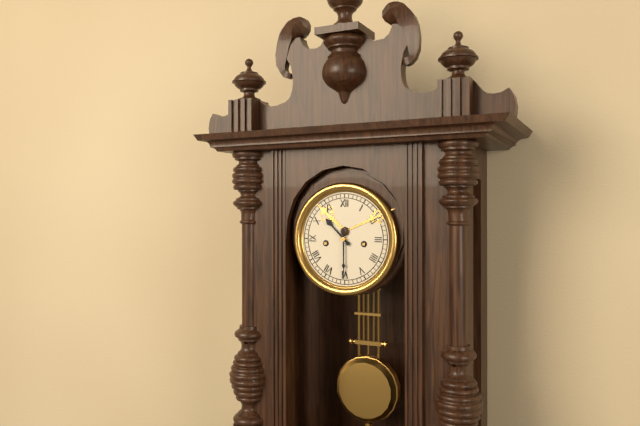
10:30
